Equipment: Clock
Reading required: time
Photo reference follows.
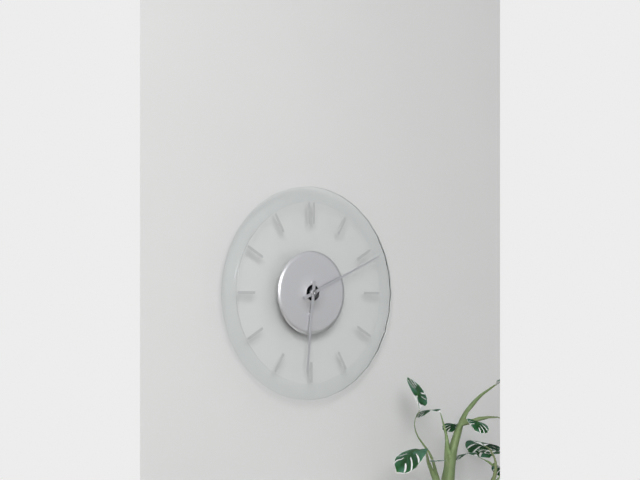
6:11
